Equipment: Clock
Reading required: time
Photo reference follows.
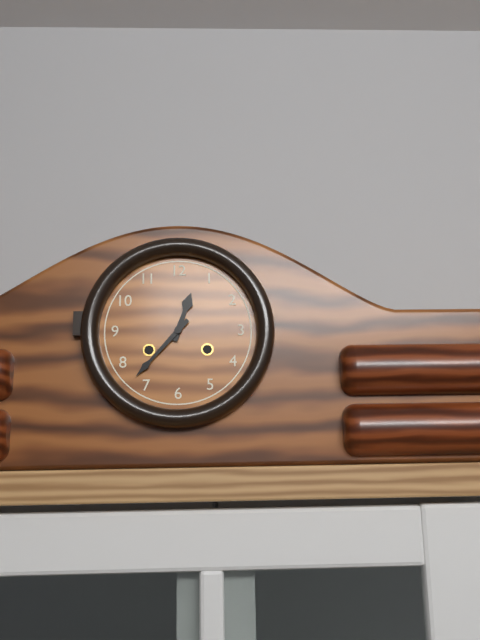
12:37
